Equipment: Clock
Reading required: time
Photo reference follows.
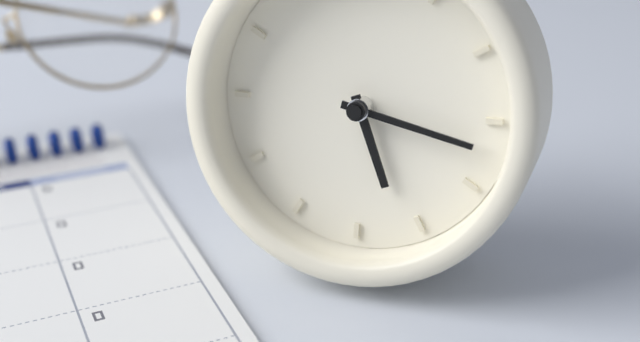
5:17
